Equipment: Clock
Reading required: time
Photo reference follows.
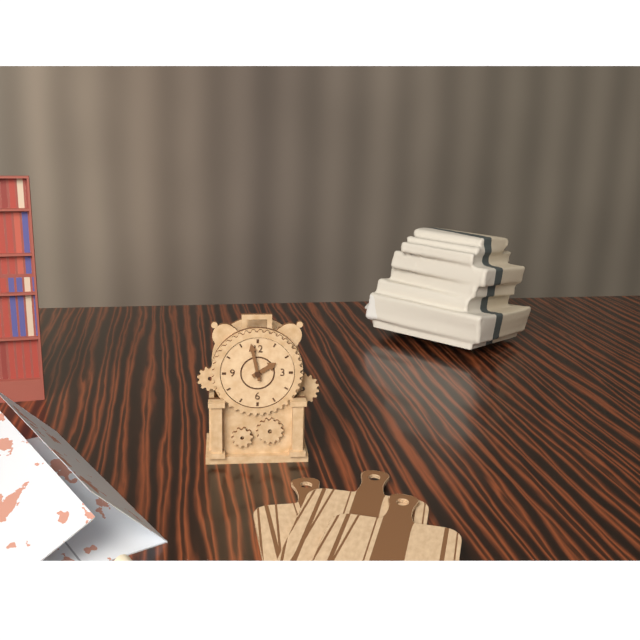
1:58
